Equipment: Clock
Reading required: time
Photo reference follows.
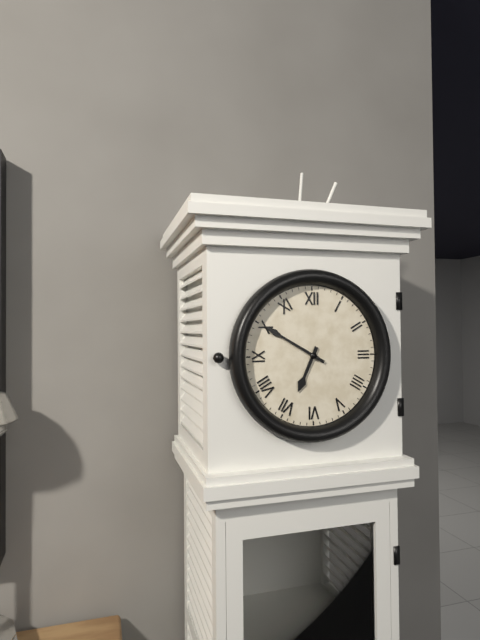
6:50
